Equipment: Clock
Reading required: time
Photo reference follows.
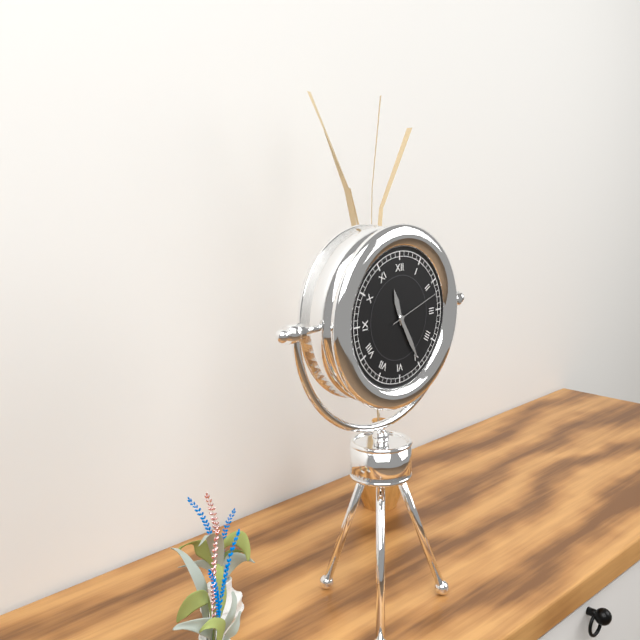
11:25:12
